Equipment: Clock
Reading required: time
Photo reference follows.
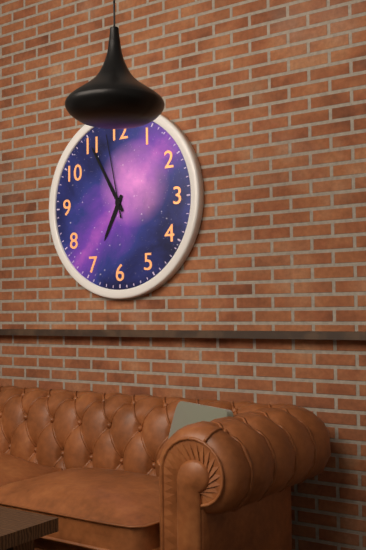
6:55:58
